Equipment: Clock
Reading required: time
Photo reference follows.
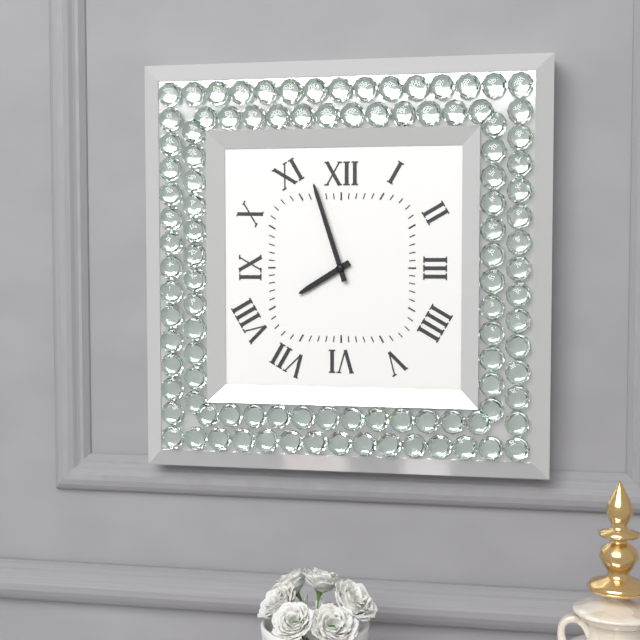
7:57
